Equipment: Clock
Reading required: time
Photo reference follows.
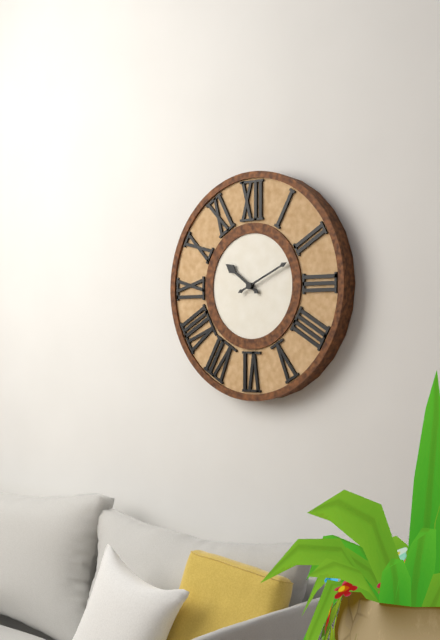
10:11
